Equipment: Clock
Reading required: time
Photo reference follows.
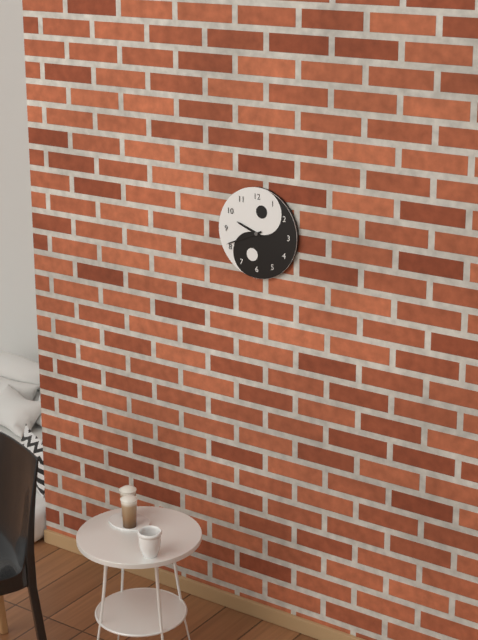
9:41
